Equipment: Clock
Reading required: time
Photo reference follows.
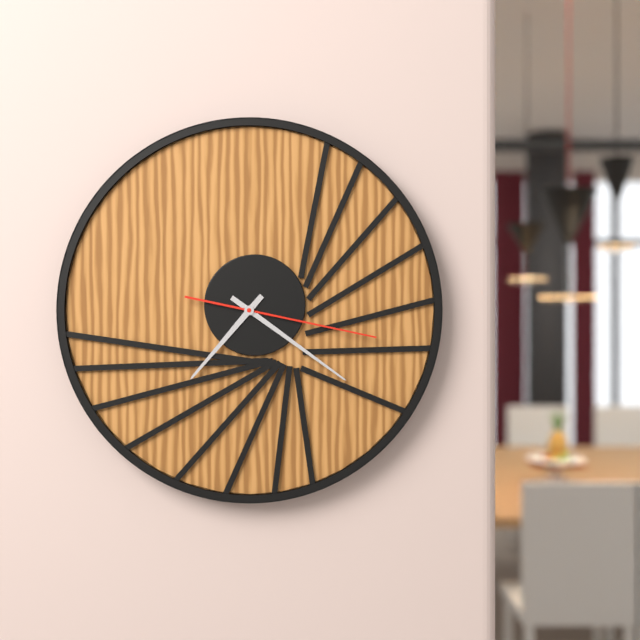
7:21:17
